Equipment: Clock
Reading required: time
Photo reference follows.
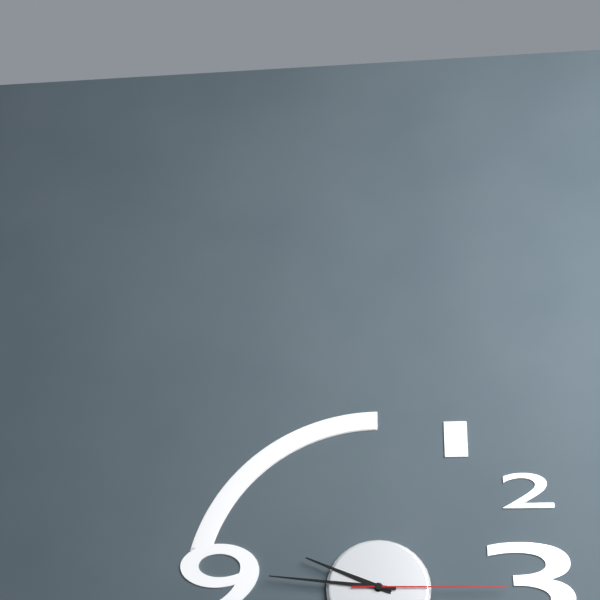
9:46:15
